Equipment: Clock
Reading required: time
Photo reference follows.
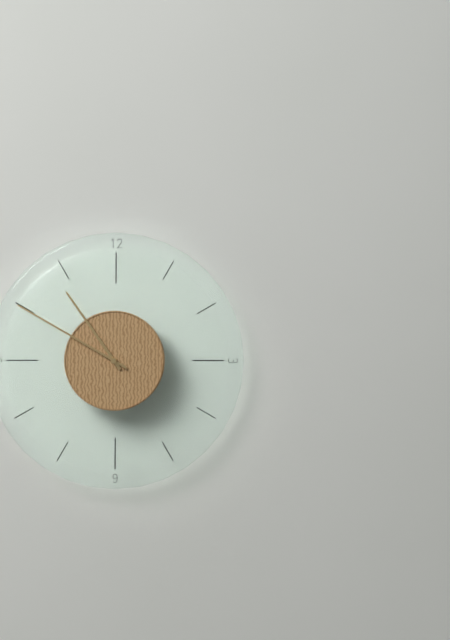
10:50
